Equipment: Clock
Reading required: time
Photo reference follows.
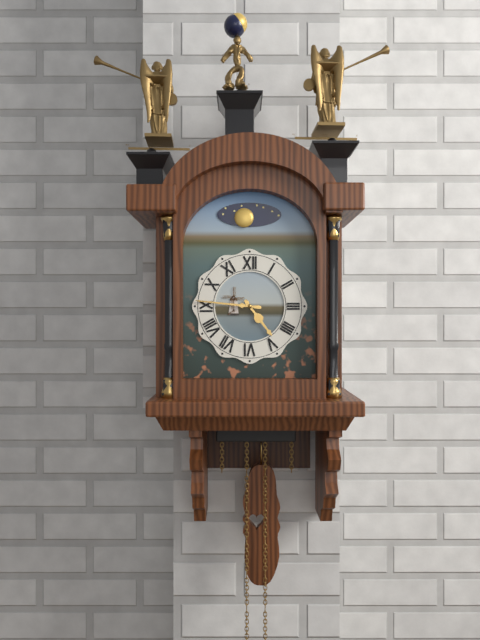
4:46
